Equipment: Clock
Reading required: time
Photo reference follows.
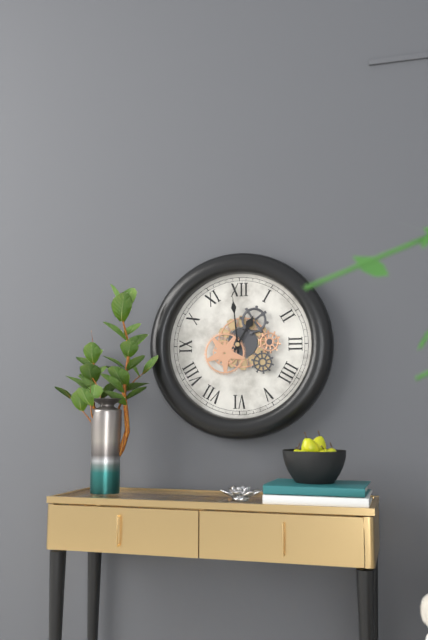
12:59
